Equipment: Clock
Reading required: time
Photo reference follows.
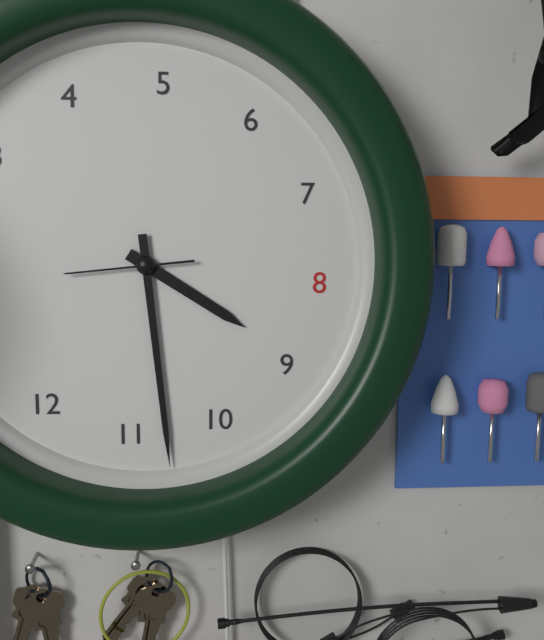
8:53:08
